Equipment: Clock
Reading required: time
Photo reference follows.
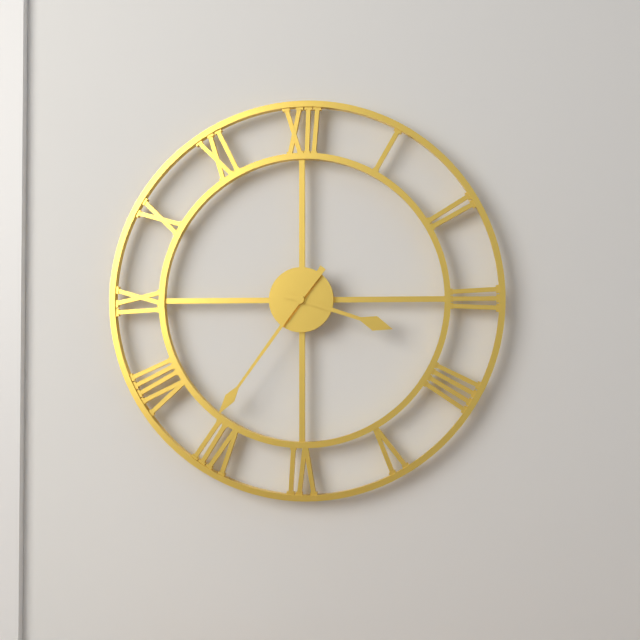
3:36
